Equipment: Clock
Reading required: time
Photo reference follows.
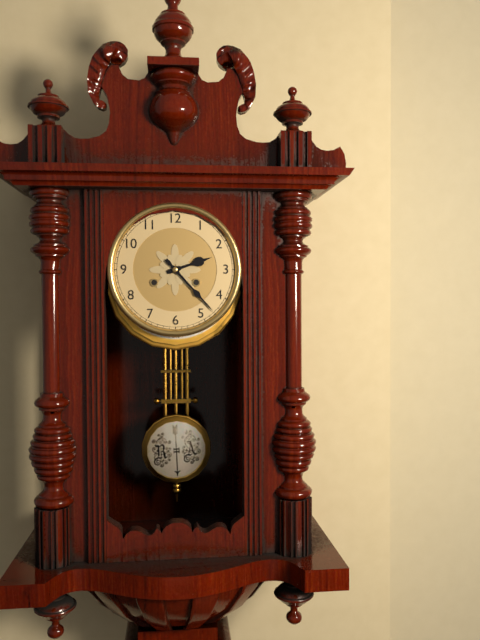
2:23
